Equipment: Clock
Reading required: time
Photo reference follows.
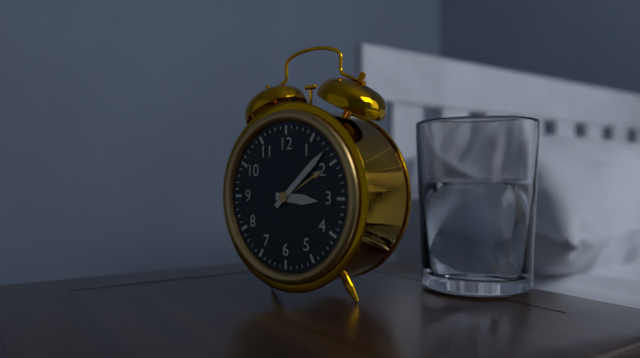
3:08
